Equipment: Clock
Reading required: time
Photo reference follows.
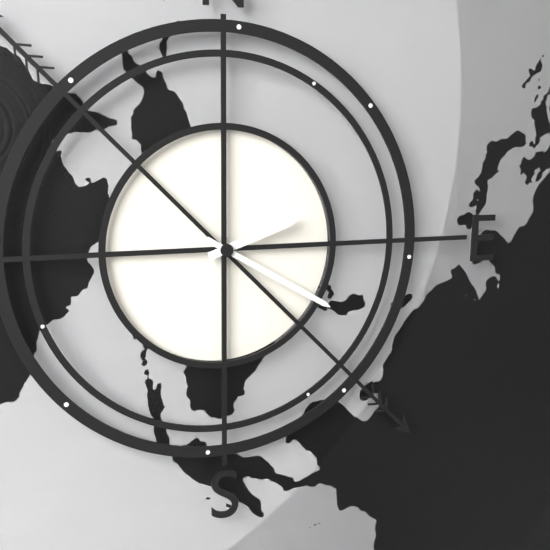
2:20
